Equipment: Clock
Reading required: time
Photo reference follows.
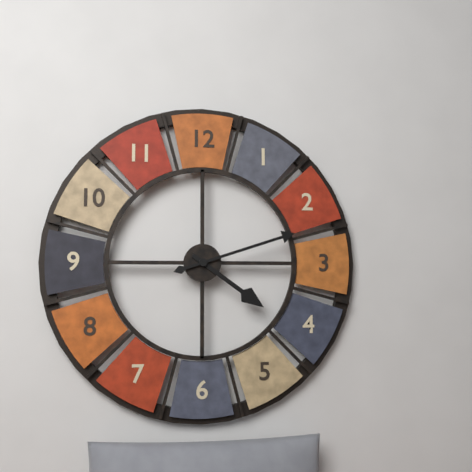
4:12
